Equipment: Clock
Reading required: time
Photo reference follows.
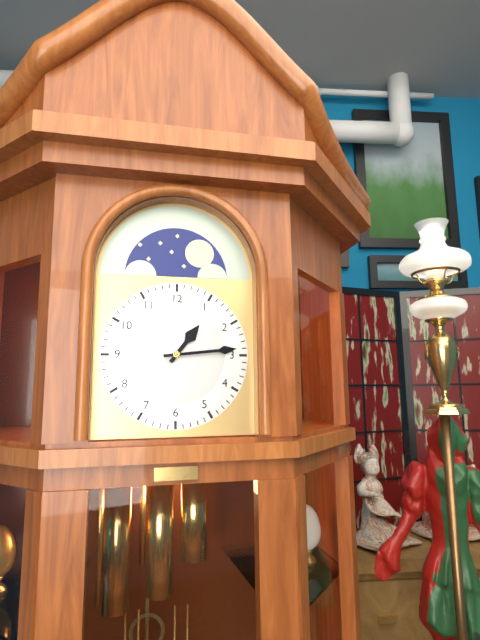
1:14
